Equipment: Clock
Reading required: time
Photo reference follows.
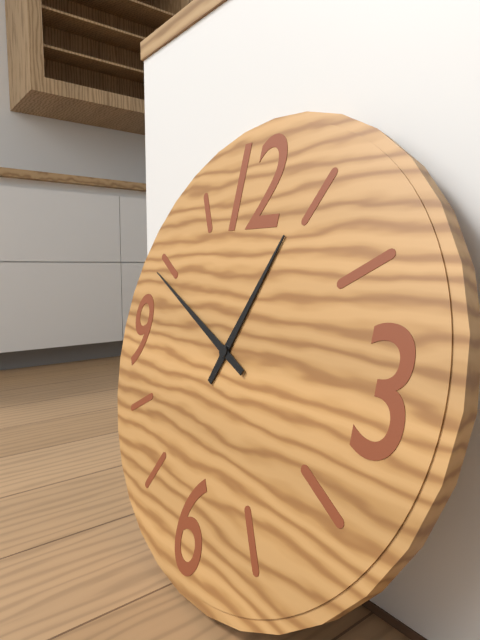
12:49
